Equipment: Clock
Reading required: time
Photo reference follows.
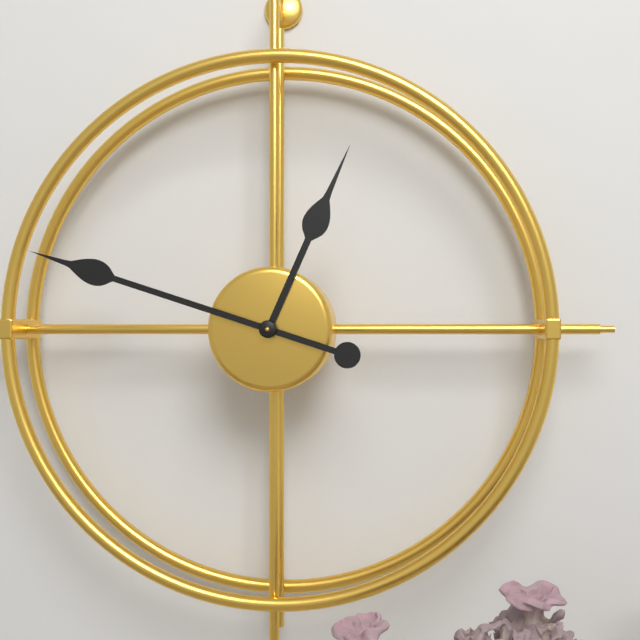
12:48
